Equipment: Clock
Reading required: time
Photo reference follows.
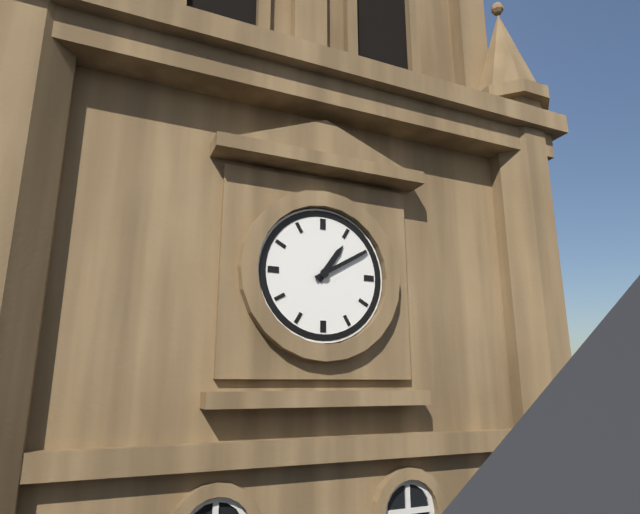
1:10
